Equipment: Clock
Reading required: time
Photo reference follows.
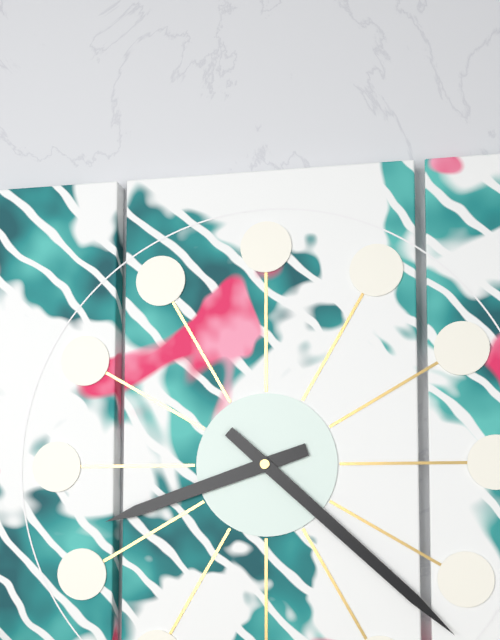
8:22
